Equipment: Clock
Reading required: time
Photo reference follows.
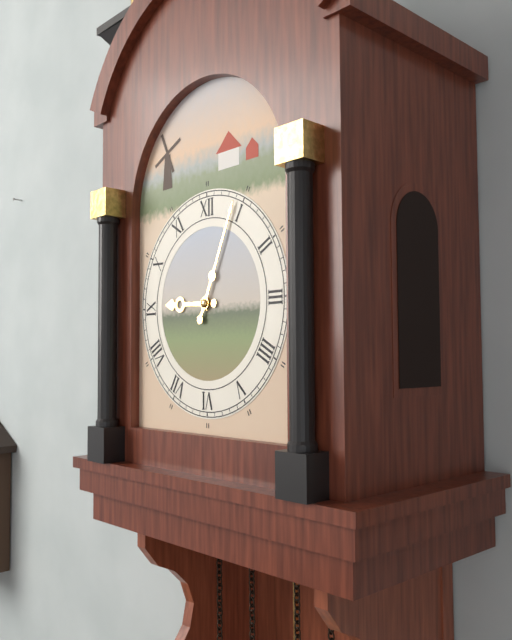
9:04
